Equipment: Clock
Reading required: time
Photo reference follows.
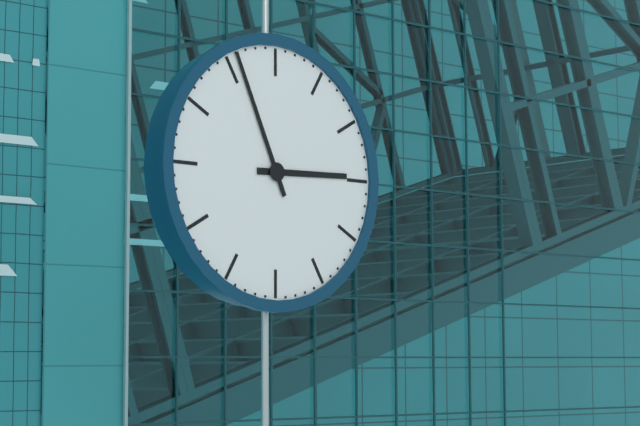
2:56
